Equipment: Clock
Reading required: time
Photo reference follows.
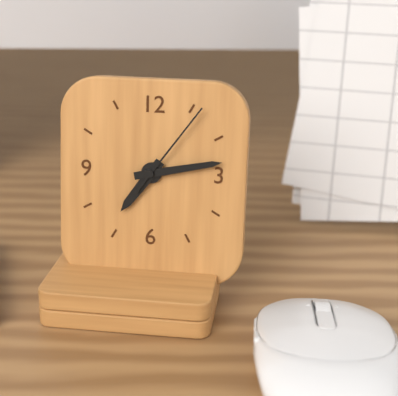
7:13:06
